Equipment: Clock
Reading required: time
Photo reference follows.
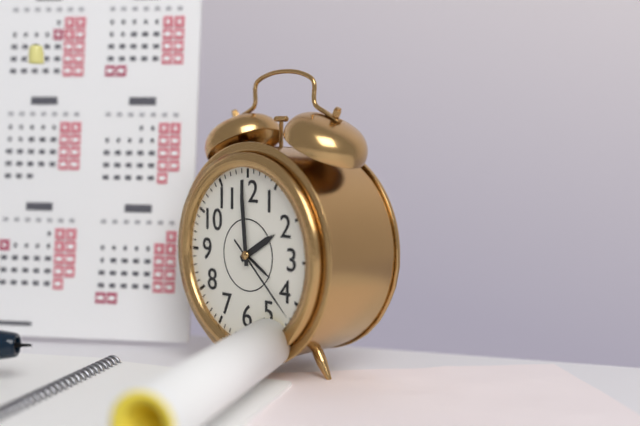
1:59:22
